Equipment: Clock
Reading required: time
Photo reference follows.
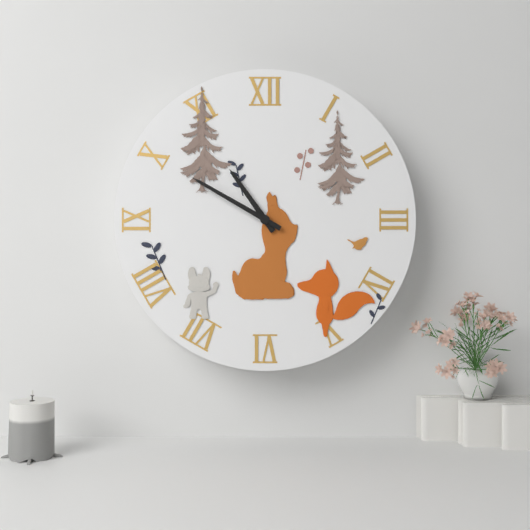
10:50
